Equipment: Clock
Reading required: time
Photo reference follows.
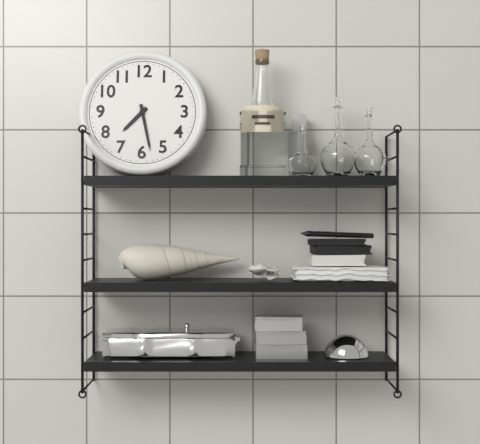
7:28
